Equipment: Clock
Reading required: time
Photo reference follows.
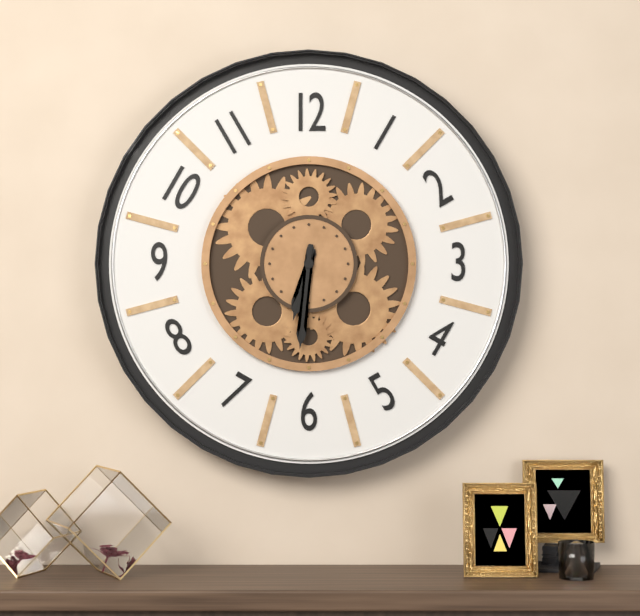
6:31
